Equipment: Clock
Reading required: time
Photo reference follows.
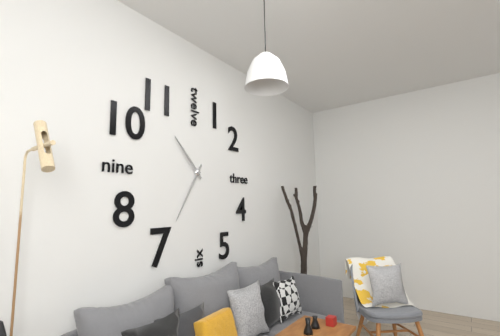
10:35
